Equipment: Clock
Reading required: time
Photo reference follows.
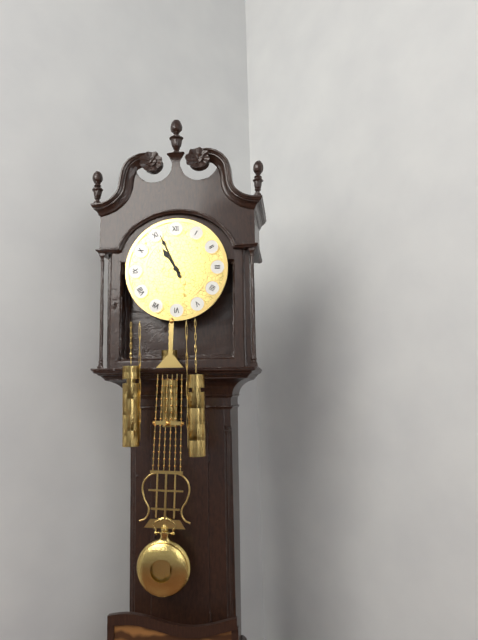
10:56
